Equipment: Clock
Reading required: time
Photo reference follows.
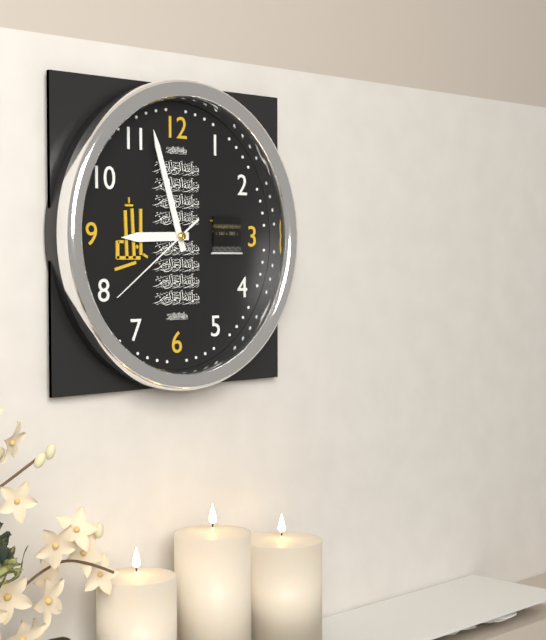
8:57:39
